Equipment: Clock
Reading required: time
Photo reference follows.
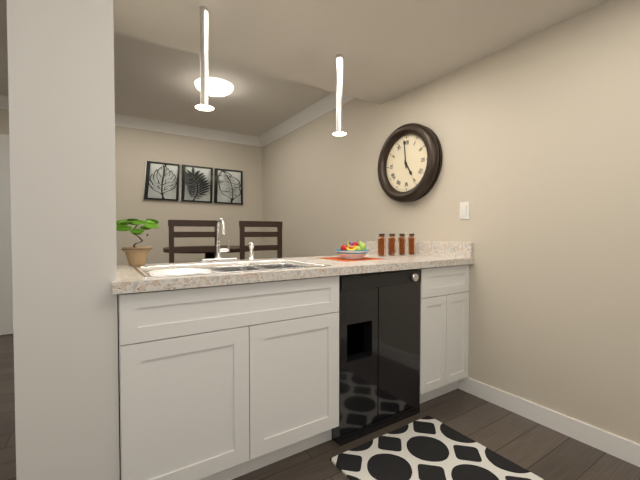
4:59
